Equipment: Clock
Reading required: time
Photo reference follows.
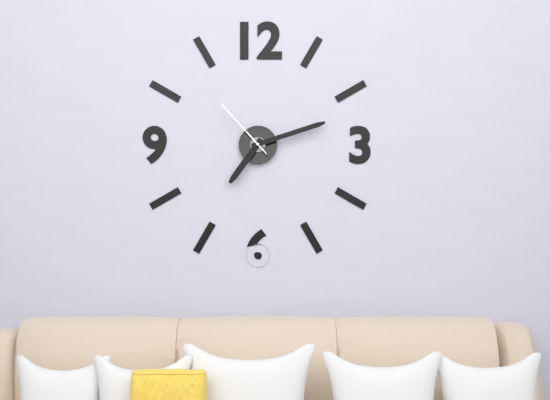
7:12:53
